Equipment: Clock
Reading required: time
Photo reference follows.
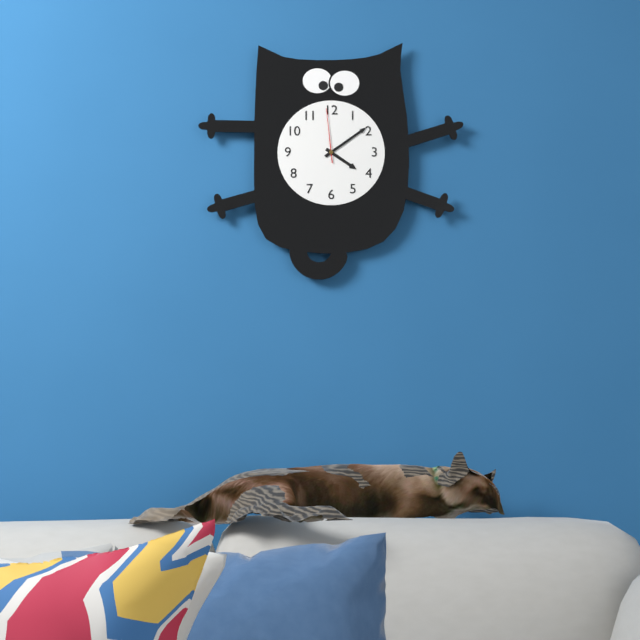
4:09:59
